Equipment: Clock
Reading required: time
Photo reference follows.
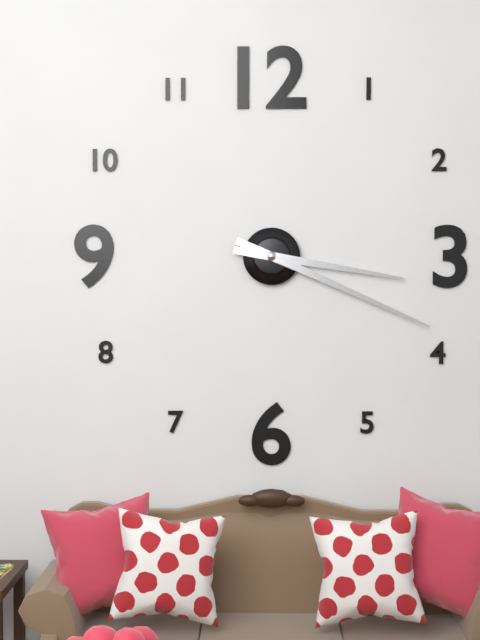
3:19
